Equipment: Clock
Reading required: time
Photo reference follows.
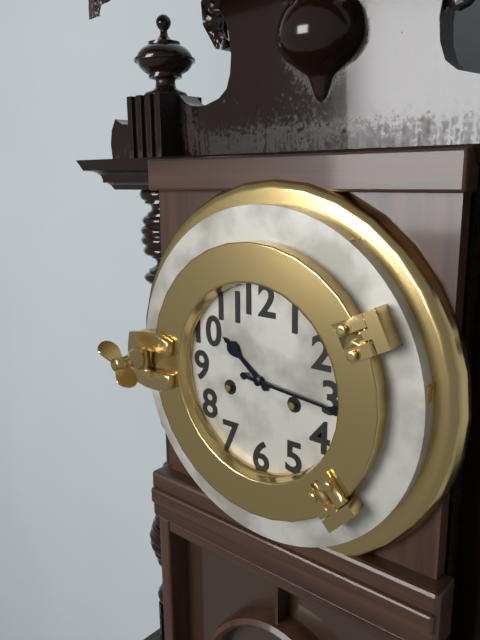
10:16
